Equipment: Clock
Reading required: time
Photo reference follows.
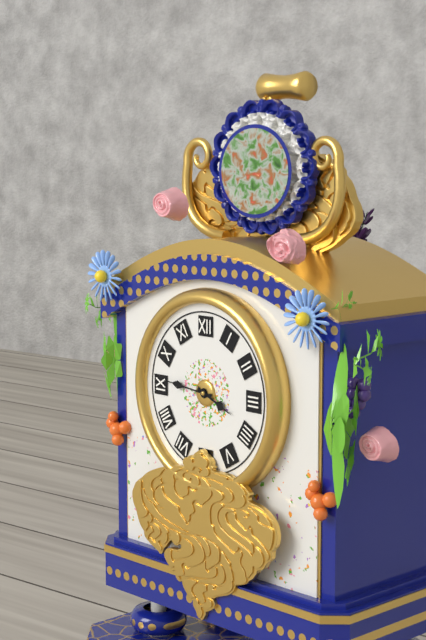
3:46
